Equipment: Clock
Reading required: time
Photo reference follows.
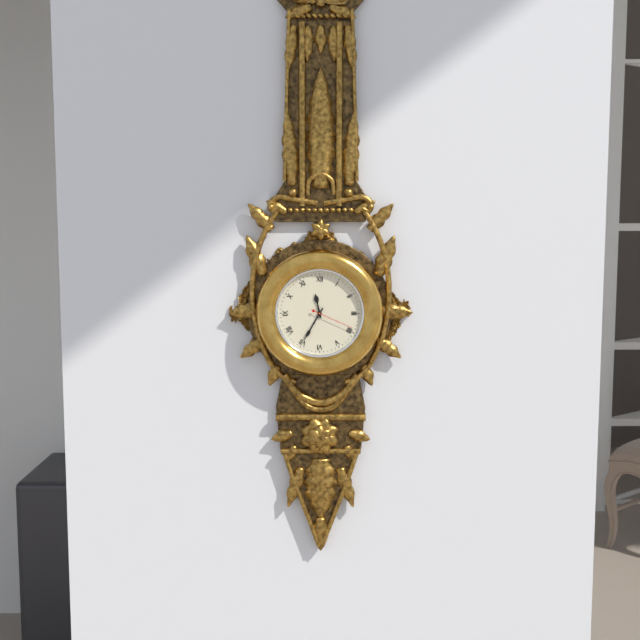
11:35
